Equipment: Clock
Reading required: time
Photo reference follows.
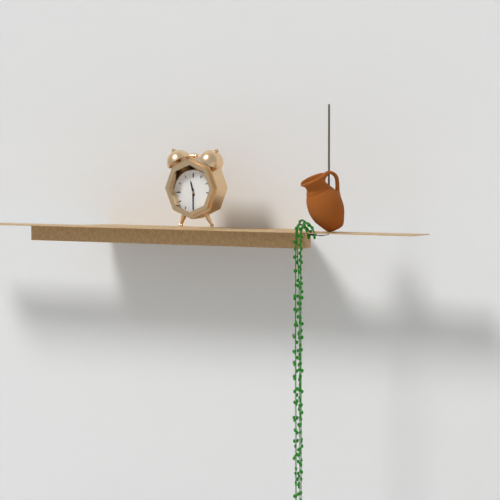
11:30
